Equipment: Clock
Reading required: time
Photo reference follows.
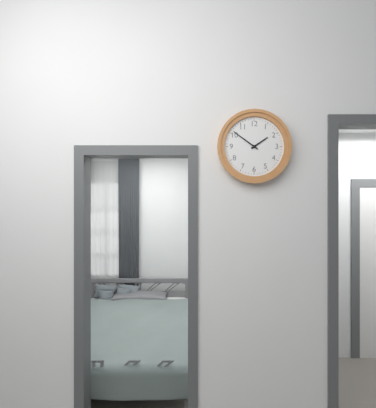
1:51
